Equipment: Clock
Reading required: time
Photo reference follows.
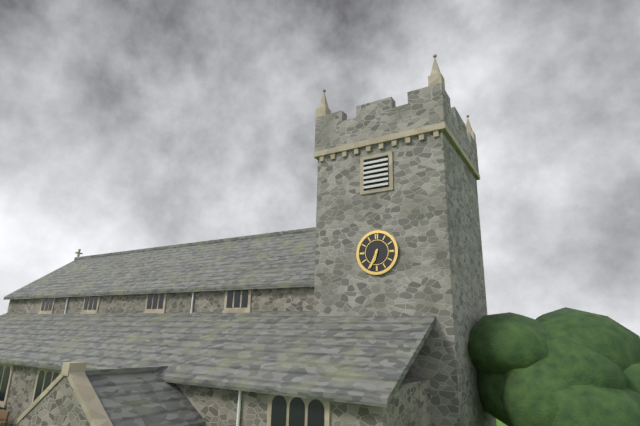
6:34
